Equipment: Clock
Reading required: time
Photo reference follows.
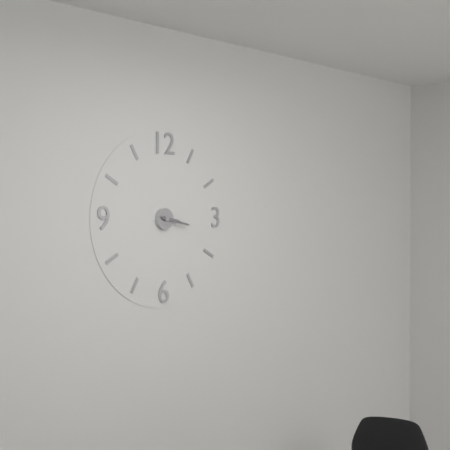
3:17
